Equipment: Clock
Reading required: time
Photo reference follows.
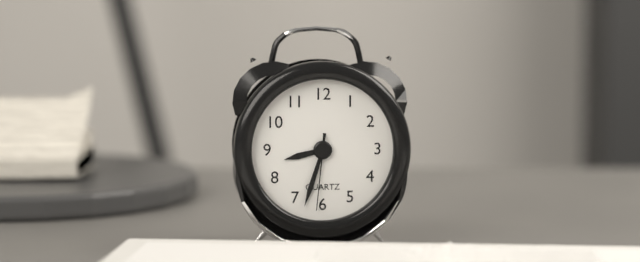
8:33:31
